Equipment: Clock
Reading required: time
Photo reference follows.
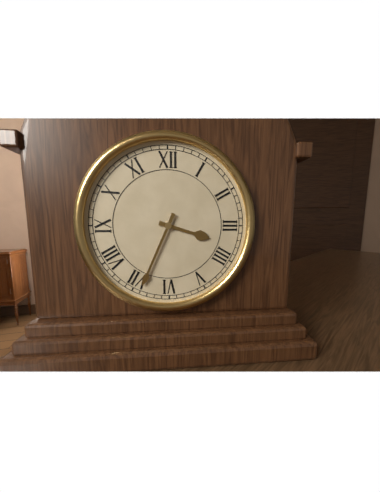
3:34
